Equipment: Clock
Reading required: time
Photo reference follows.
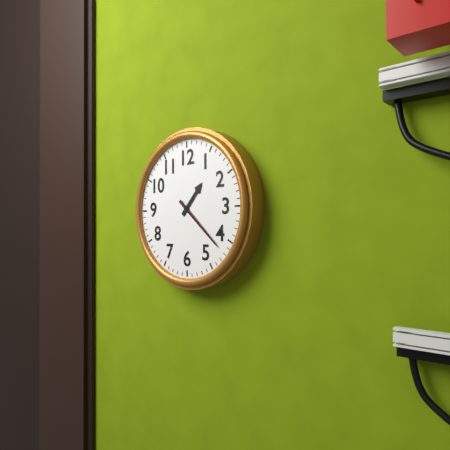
1:22
